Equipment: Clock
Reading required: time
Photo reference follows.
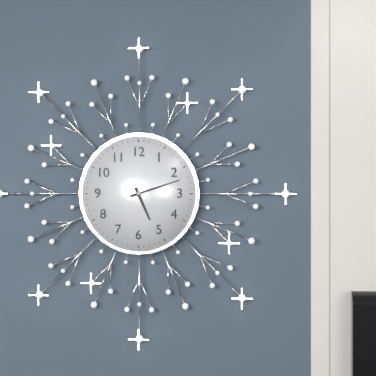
5:12
